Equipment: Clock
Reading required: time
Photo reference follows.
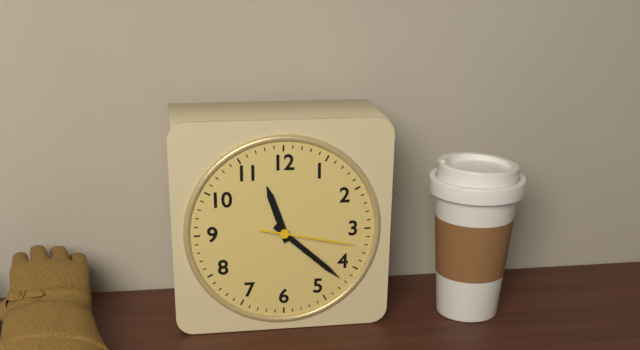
11:22:17
